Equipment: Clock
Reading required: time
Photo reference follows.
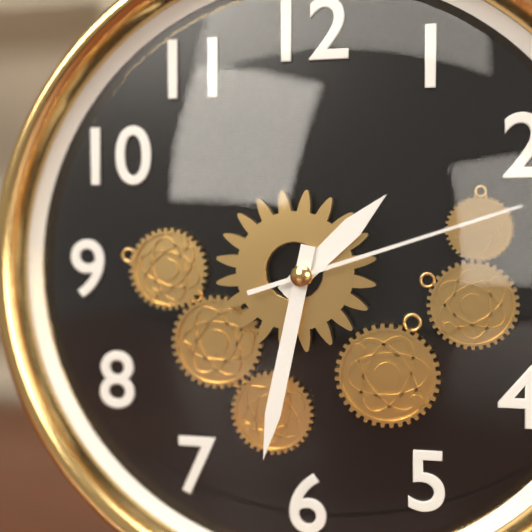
1:32:12
